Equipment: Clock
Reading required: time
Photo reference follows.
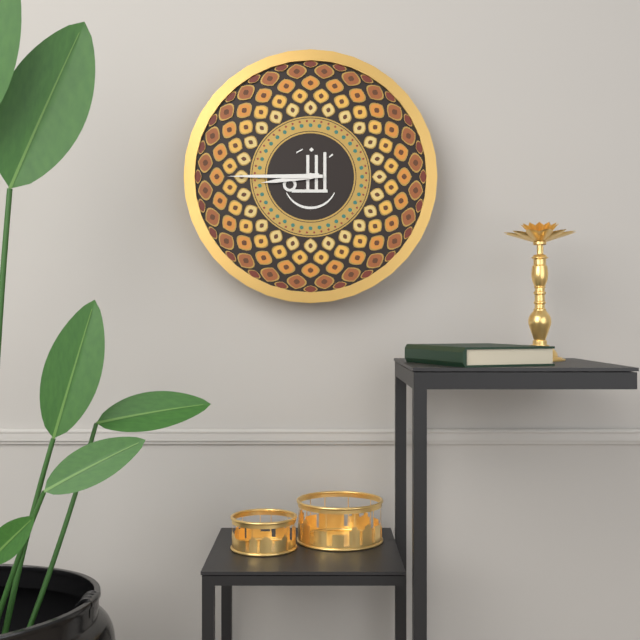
8:45
